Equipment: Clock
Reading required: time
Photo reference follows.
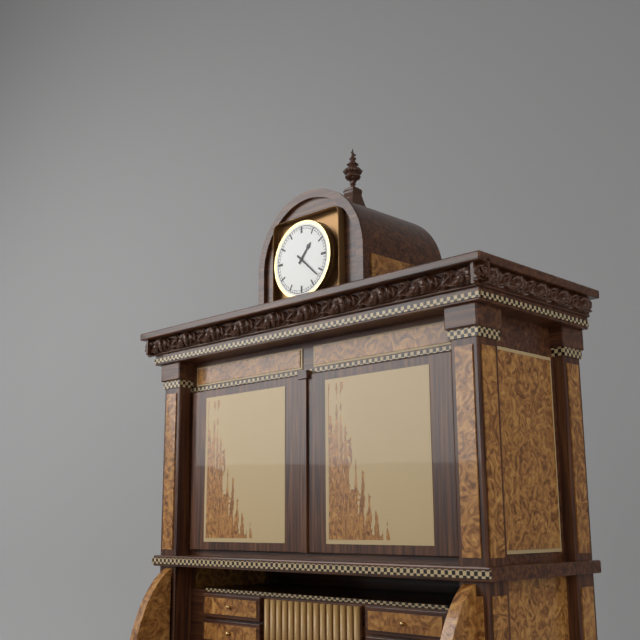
1:22
